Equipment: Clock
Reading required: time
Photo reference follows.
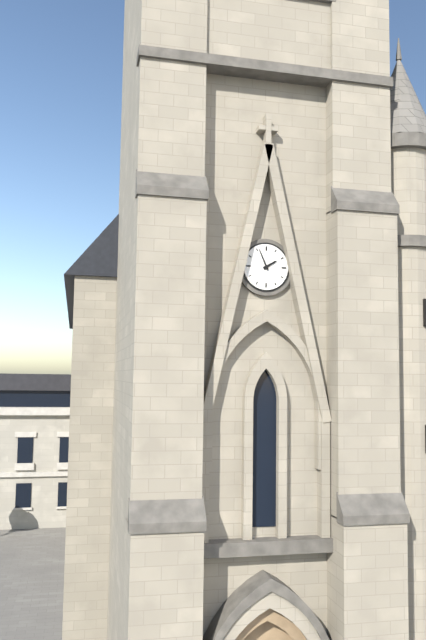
1:56
